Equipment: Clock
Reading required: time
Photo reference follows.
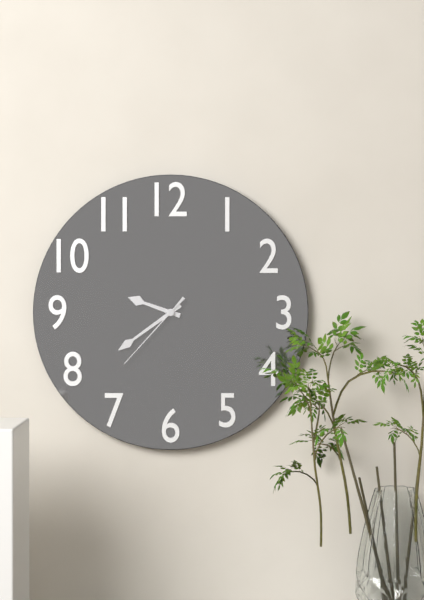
9:39:37
